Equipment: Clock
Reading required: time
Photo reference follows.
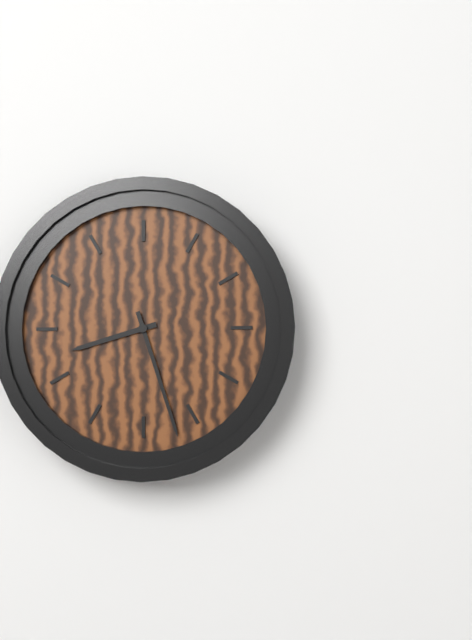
8:27
